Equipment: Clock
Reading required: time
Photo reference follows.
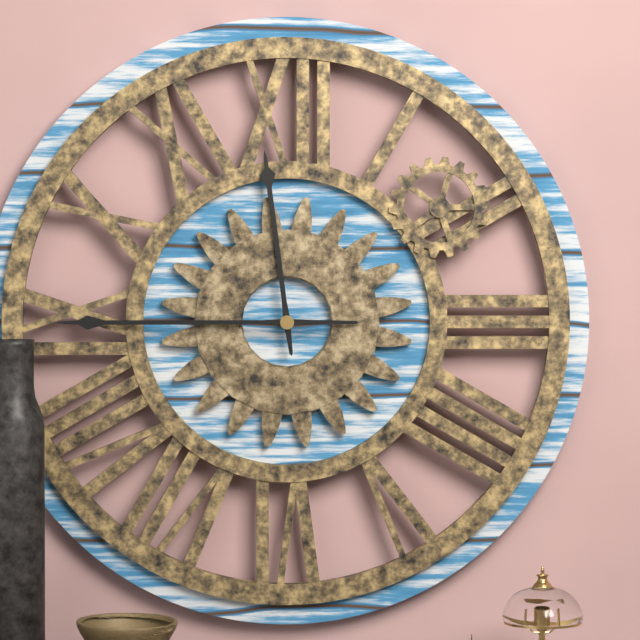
11:45
